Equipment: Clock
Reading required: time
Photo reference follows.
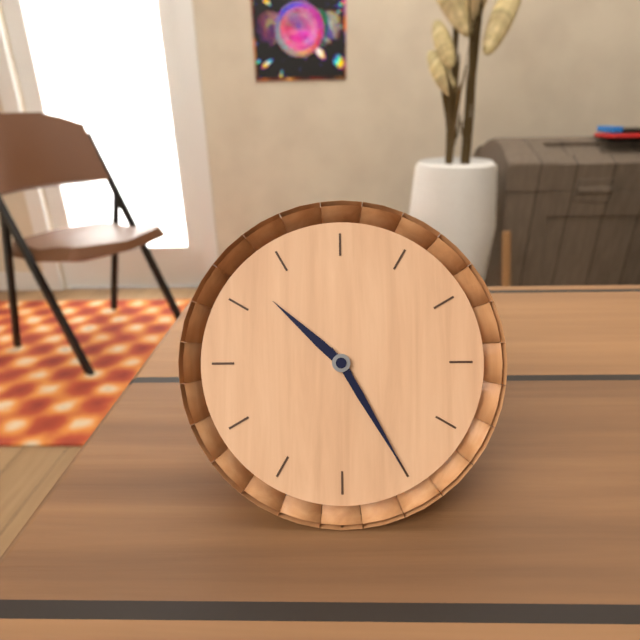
10:25
